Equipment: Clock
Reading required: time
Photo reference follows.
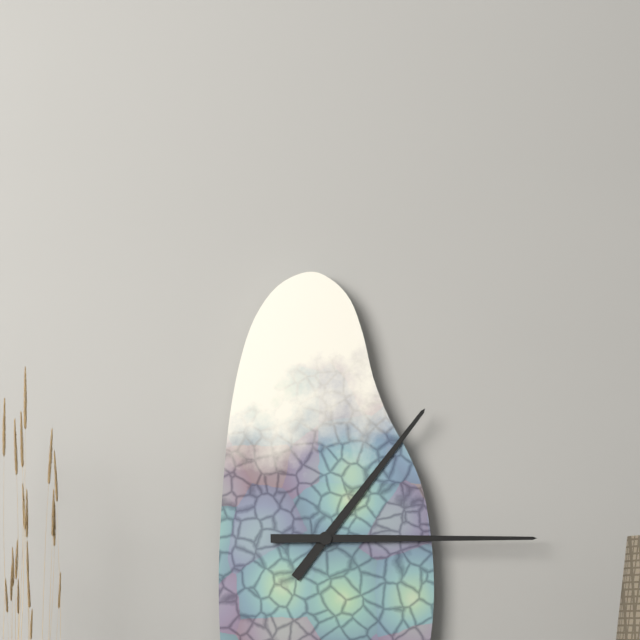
1:15
